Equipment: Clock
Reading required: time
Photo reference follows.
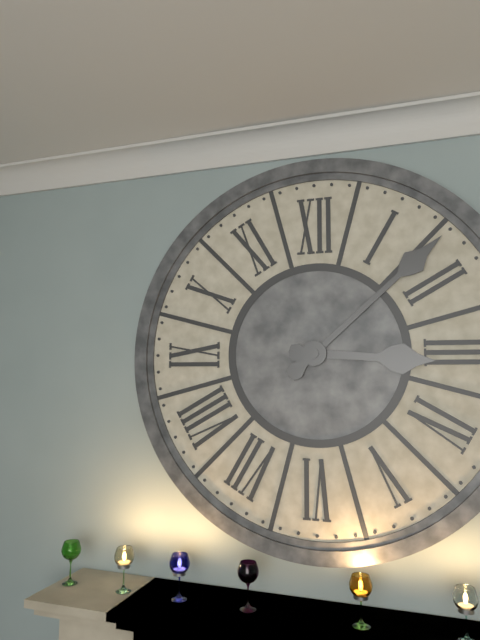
3:08
